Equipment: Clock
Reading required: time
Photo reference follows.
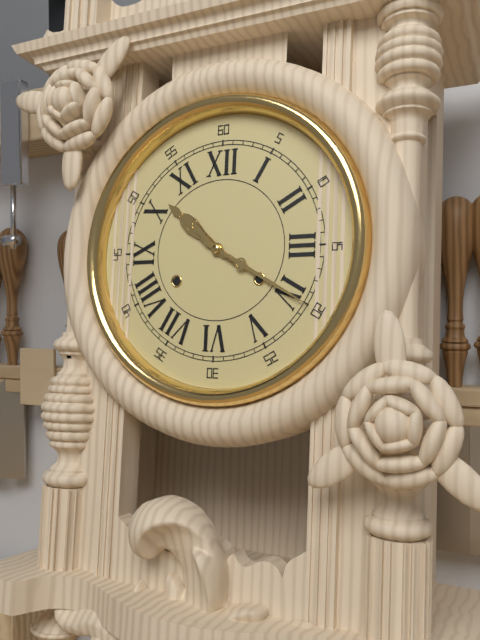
10:20
